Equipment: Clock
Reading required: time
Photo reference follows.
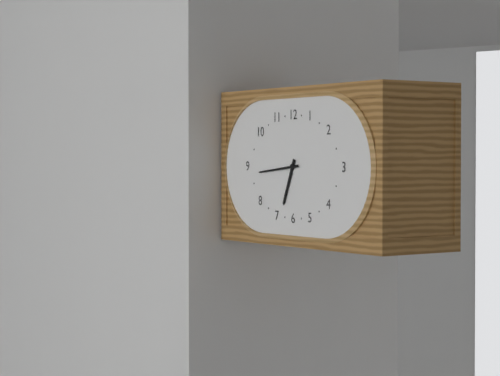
6:44
